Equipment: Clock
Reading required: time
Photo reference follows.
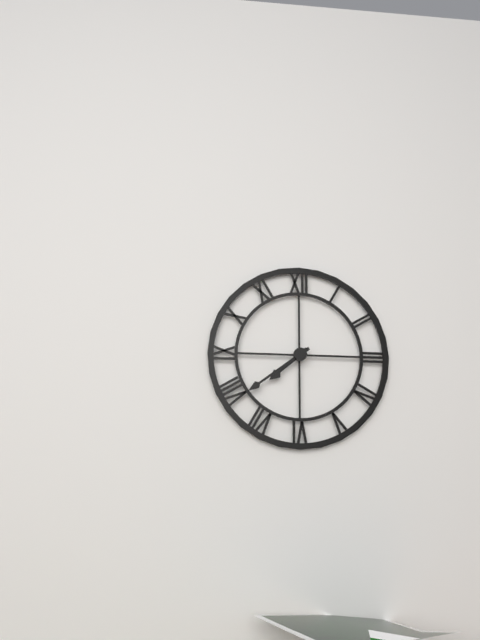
7:39
